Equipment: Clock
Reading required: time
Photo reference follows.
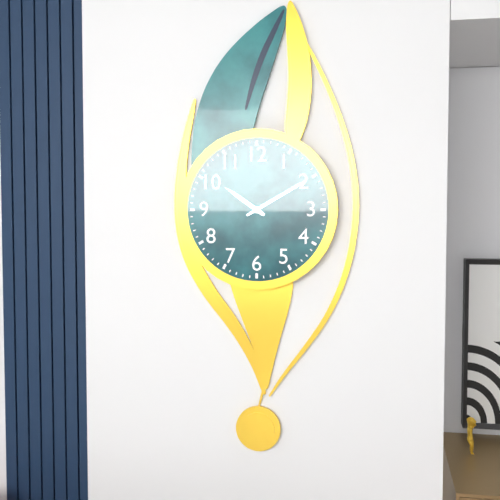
10:10
